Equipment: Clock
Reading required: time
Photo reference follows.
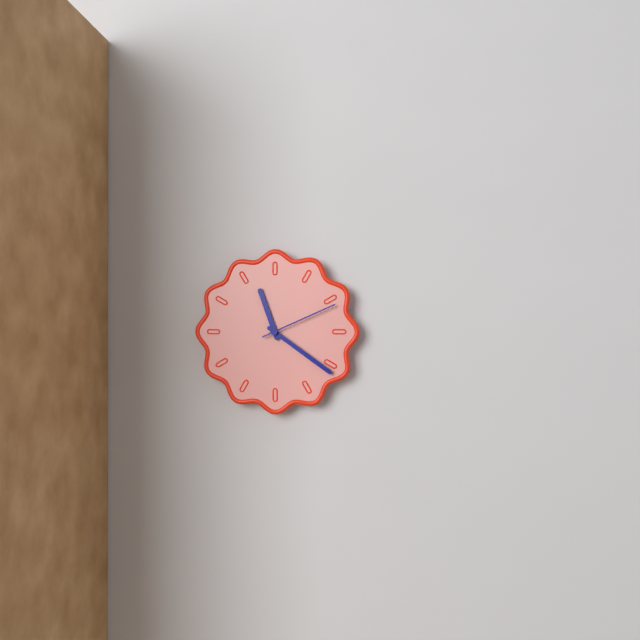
11:21:11
